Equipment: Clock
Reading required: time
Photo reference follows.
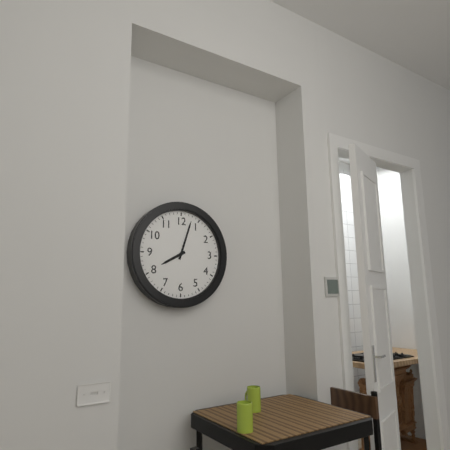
8:03
